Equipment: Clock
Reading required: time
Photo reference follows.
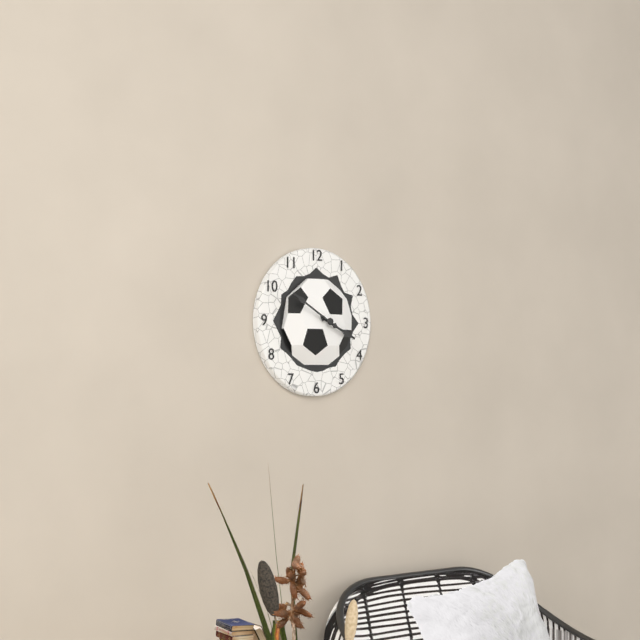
3:50
